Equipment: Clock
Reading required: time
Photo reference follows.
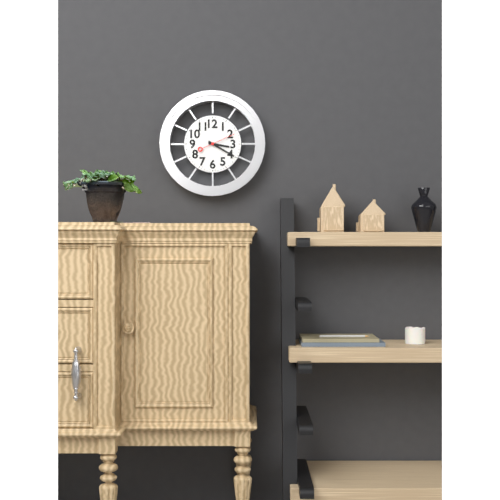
3:20
